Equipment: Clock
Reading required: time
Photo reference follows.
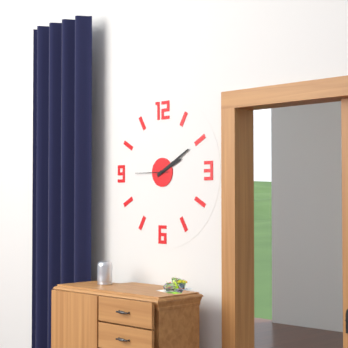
2:10
